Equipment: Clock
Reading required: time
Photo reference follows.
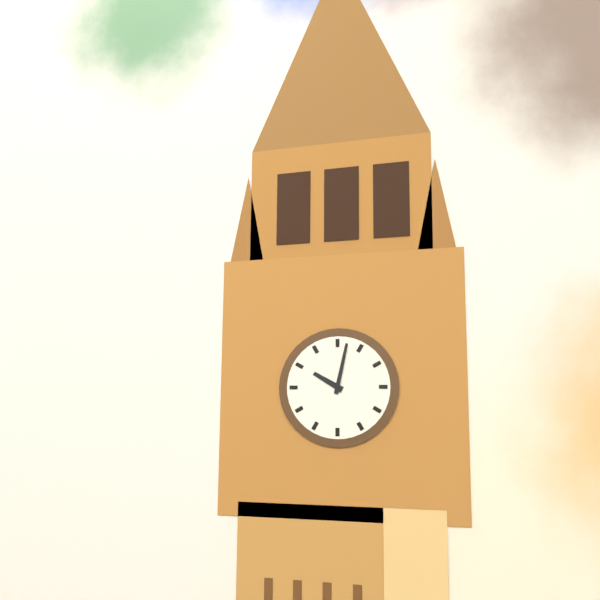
10:02
